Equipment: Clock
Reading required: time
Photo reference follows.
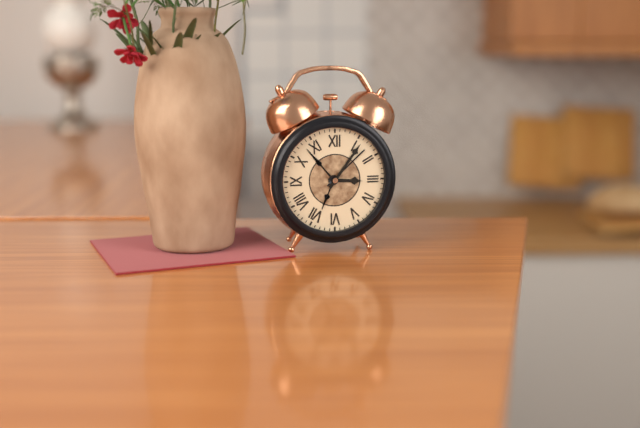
3:06
